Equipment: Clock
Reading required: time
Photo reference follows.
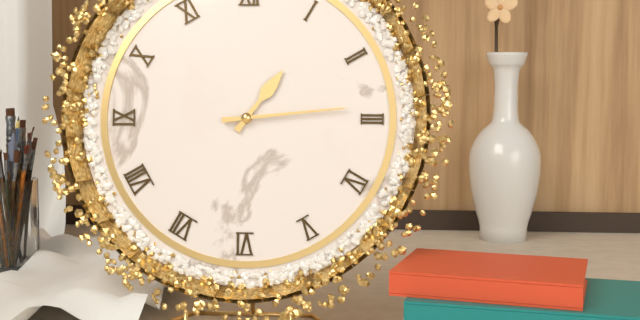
1:14
